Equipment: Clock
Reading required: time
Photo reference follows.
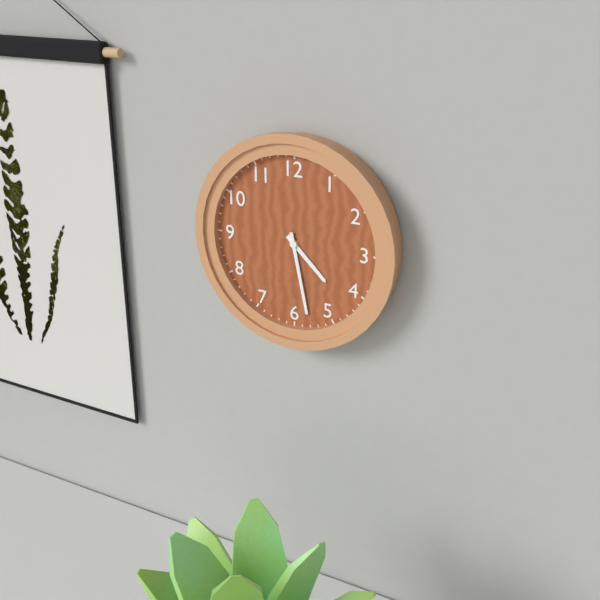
4:28
